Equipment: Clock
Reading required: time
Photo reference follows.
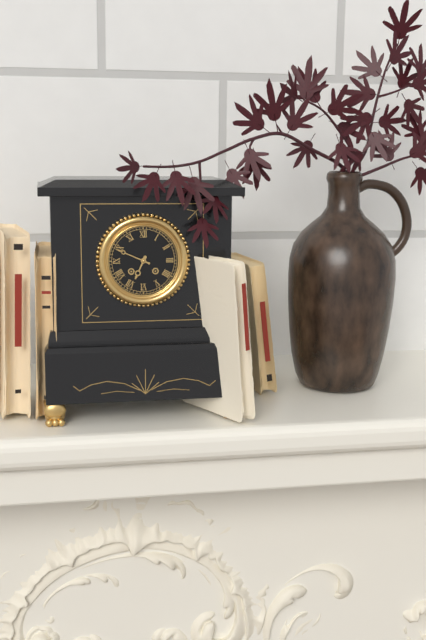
6:49
